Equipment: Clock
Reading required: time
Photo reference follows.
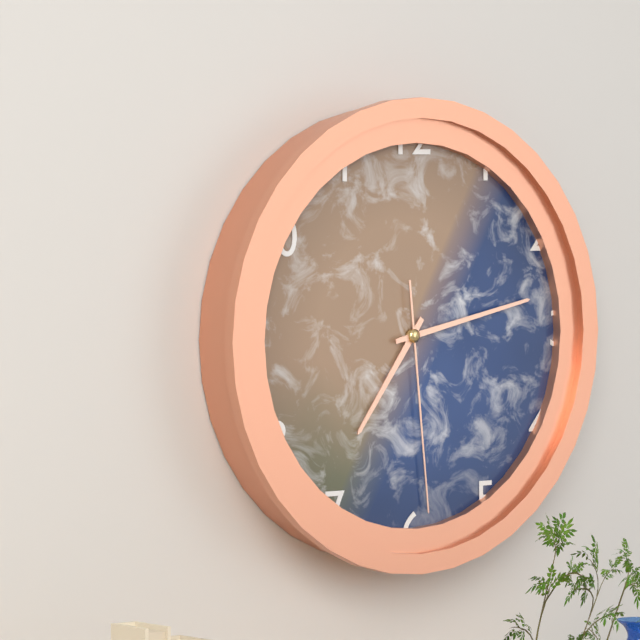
7:13:29
